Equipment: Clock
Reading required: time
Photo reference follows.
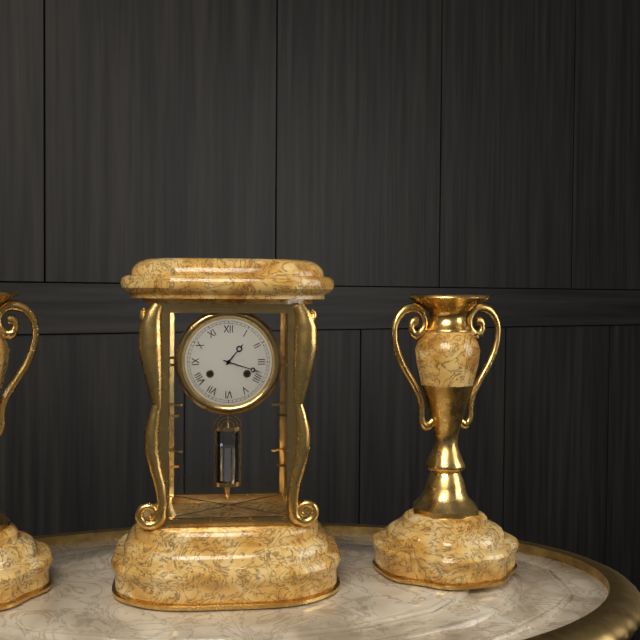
1:18
